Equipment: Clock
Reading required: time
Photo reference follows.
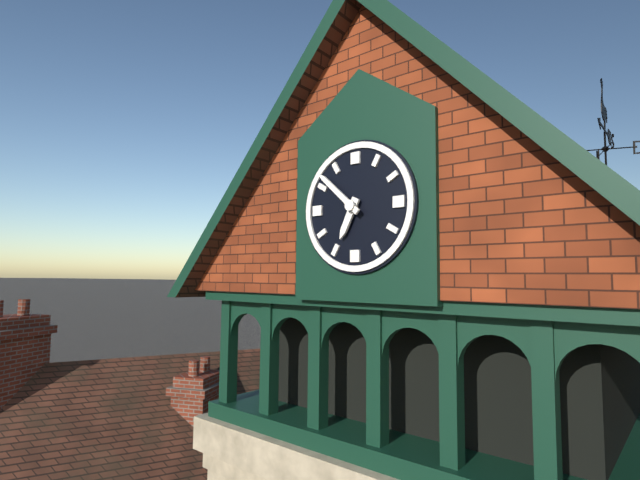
6:52
